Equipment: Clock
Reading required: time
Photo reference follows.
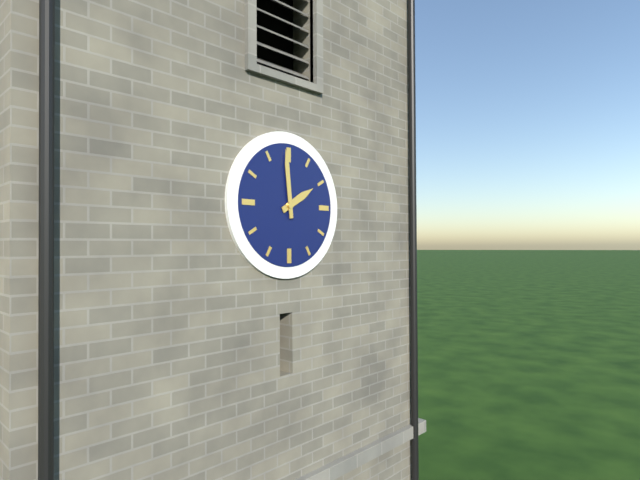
1:59
